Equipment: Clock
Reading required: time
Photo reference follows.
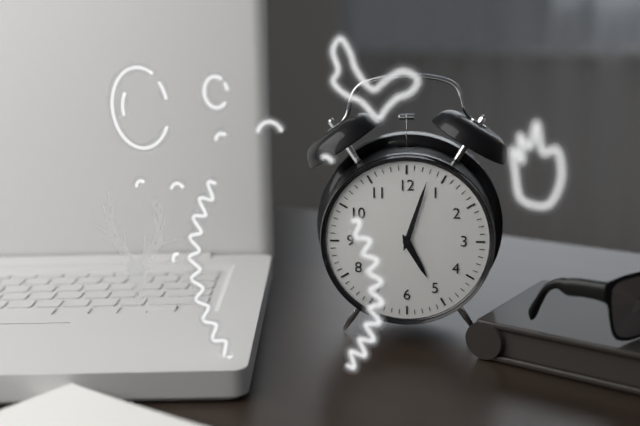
5:03
